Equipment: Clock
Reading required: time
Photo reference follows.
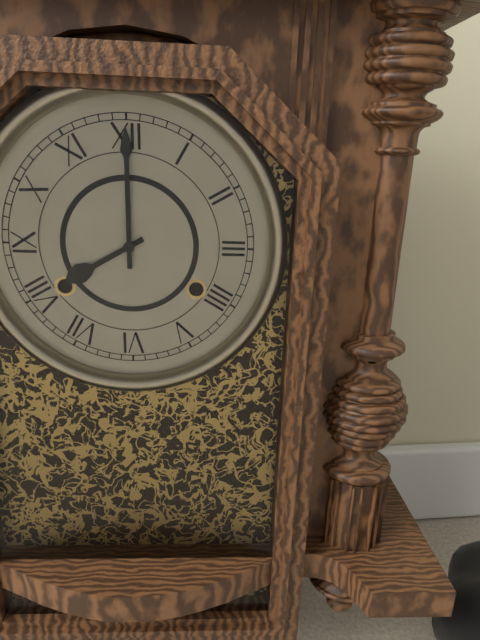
8:00
